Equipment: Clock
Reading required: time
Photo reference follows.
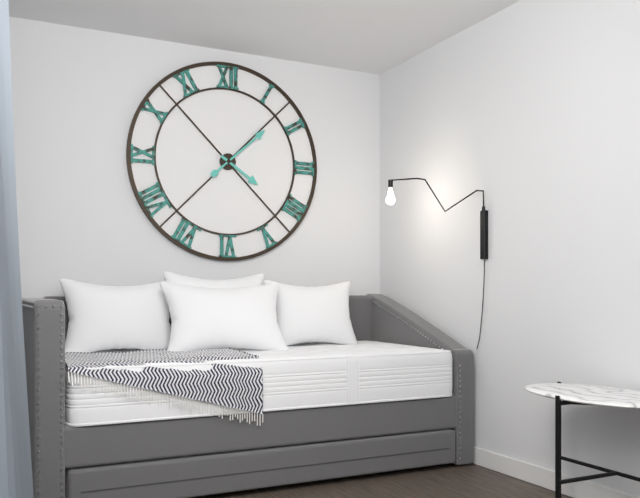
4:08
